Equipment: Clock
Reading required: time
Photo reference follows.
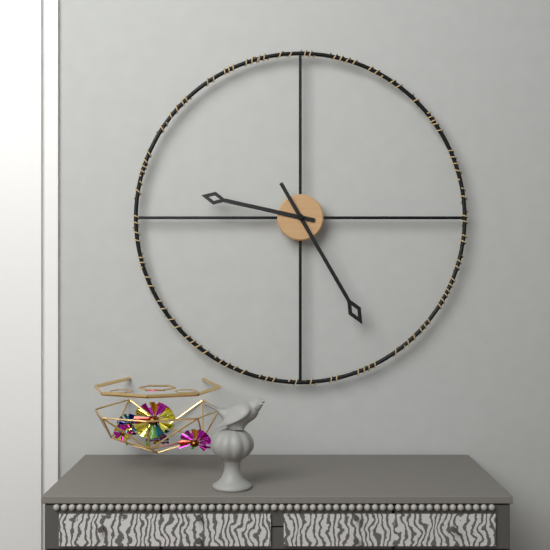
9:25
